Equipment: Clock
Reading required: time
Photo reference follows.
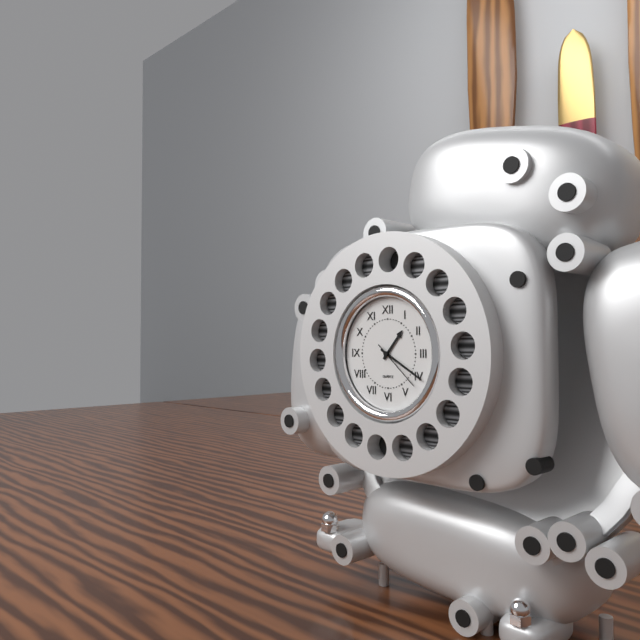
1:20:22
